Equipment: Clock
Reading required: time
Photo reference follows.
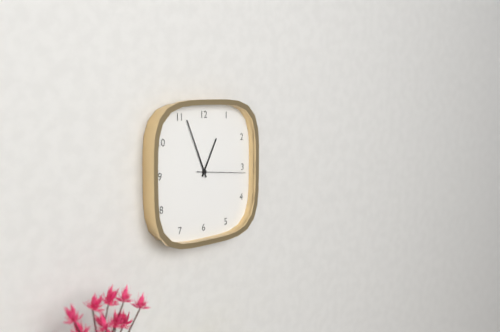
12:56:16
